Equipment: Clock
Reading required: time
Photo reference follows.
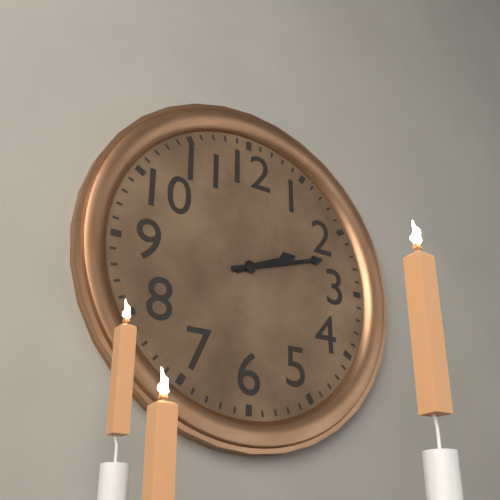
2:12
